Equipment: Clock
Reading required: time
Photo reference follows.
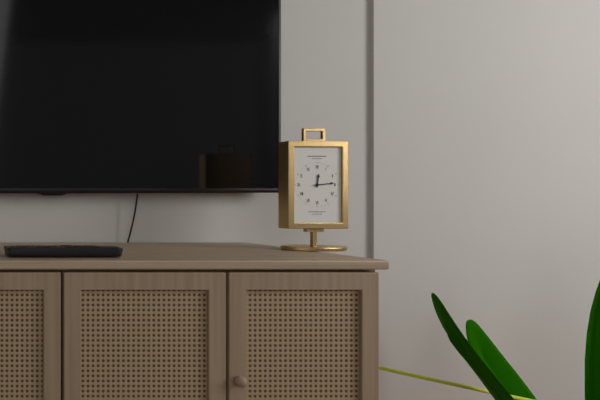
12:14
